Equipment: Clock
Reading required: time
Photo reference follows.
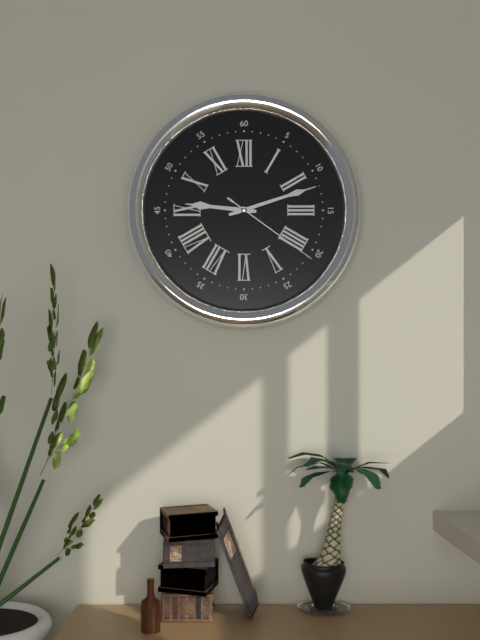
9:12:21
